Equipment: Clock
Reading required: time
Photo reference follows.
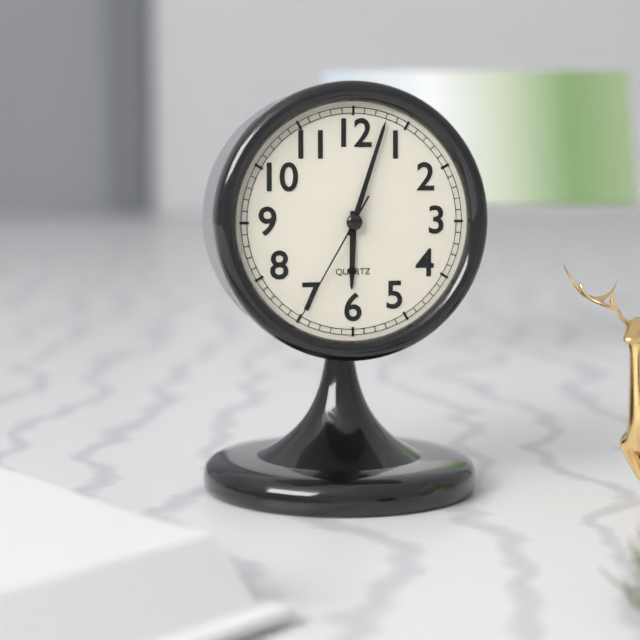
6:03:35
